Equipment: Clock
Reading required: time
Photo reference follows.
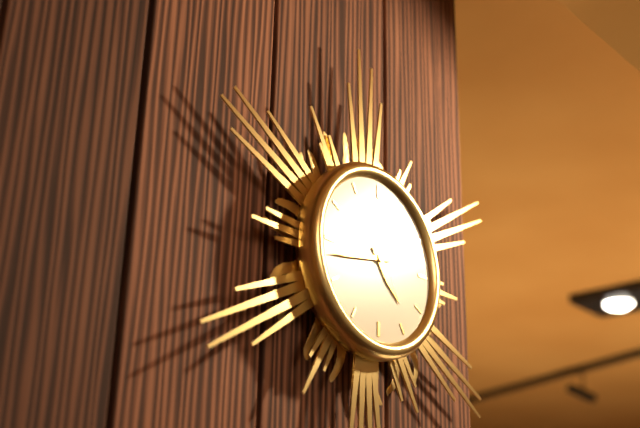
4:43
